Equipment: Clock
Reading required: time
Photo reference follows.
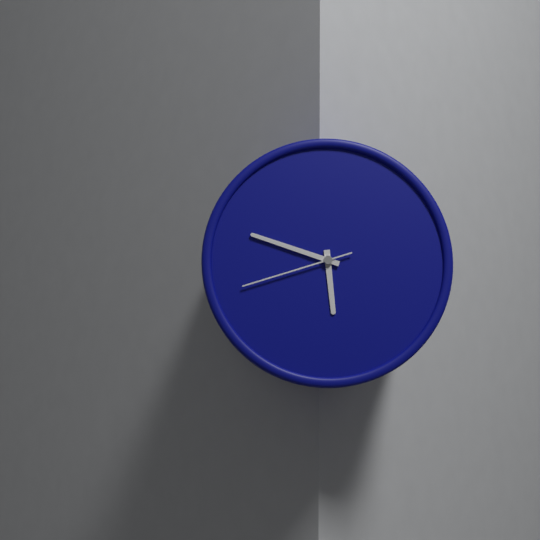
5:48:42
